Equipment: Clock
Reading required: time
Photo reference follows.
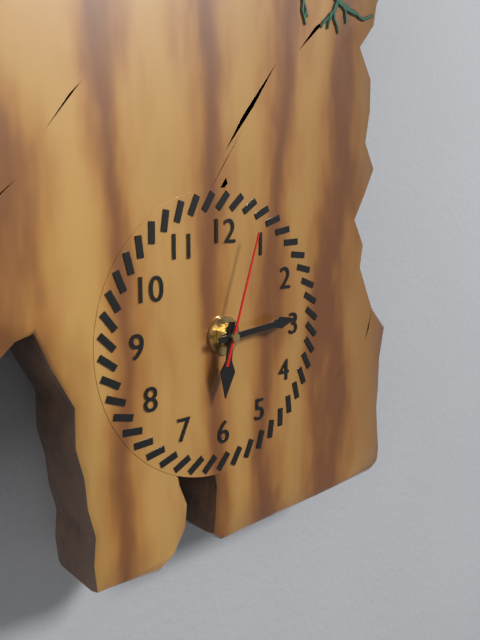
6:14:03
